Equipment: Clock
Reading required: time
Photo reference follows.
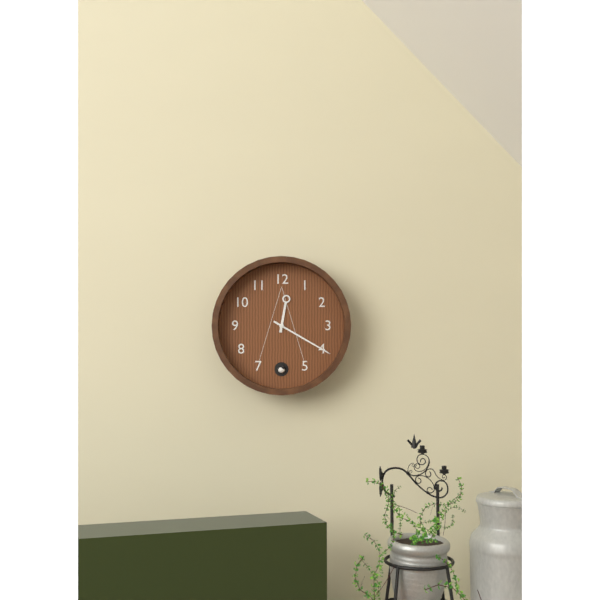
12:20
